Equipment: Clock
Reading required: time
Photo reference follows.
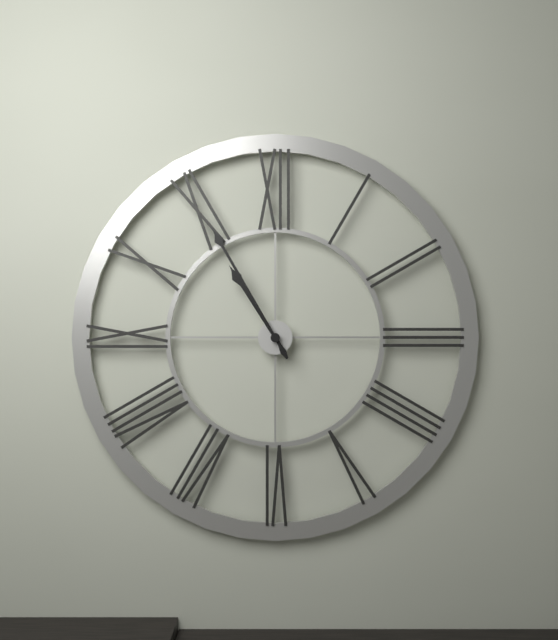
10:55
